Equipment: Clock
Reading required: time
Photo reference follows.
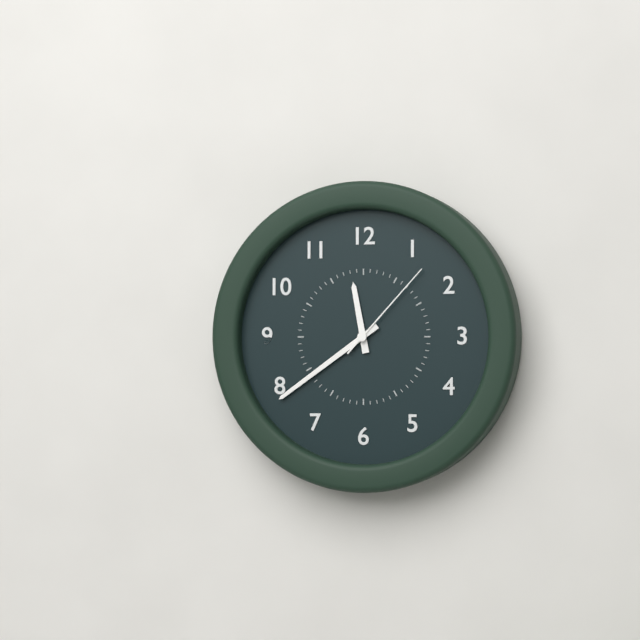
11:39:07
